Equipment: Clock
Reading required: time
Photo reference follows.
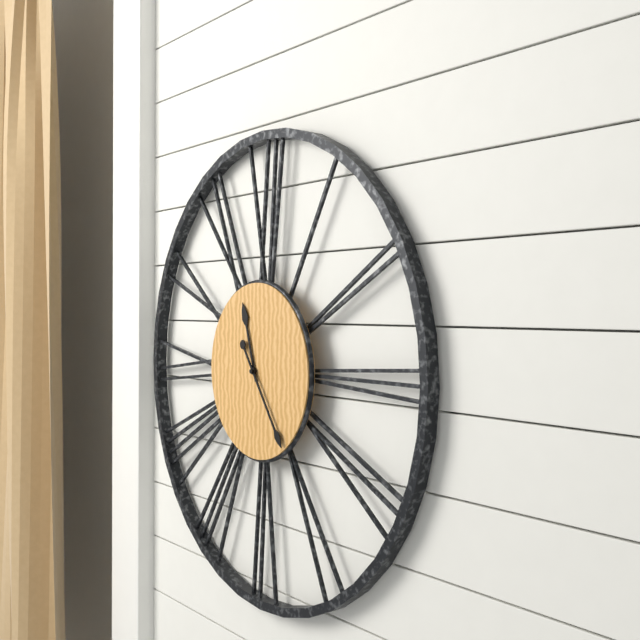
11:24
